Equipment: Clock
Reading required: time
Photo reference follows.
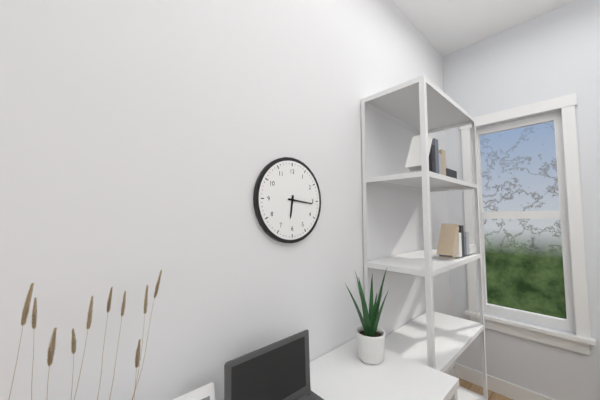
6:16
